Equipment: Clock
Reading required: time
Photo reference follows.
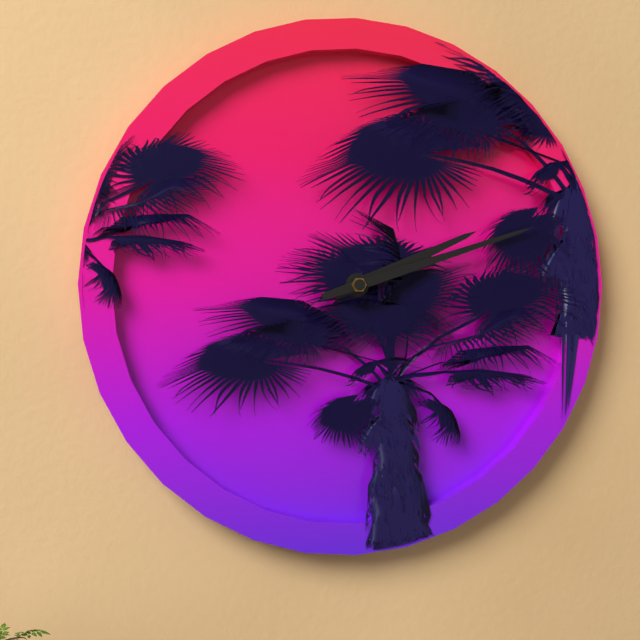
2:12
